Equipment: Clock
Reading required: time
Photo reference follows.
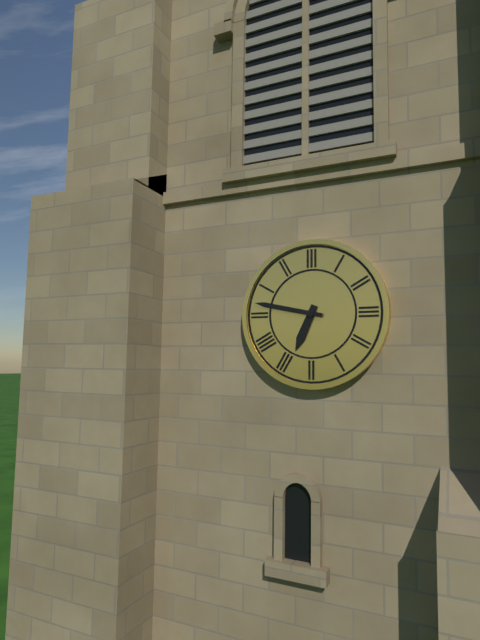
6:47
